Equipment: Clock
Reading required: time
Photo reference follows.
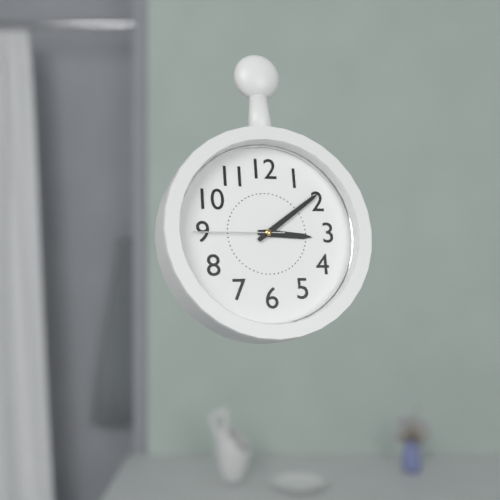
3:09:45
